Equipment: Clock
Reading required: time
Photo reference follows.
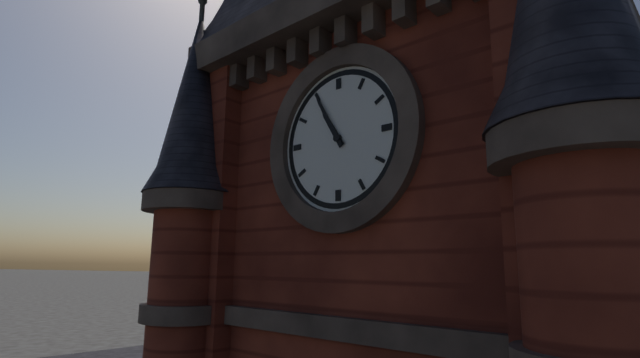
10:55
